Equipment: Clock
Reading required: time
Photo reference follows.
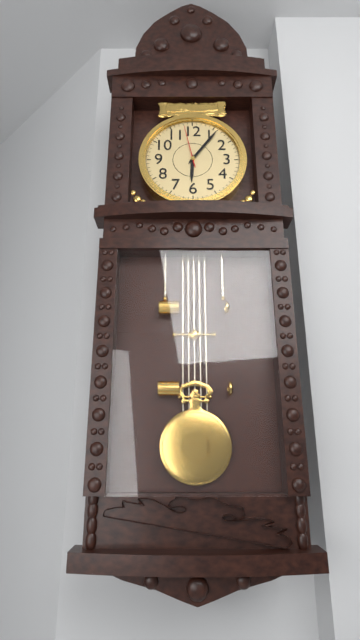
6:06
